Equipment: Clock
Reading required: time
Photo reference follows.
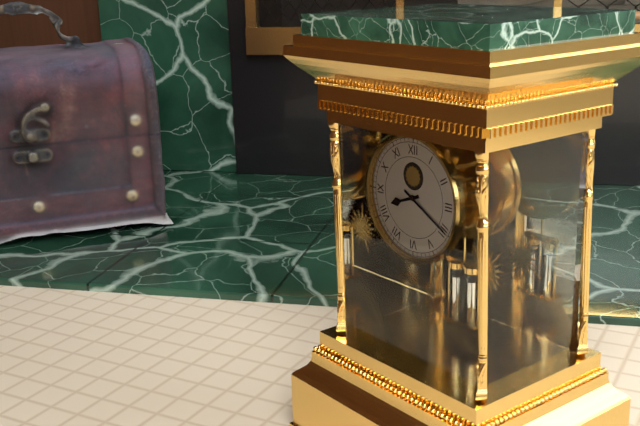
8:20
